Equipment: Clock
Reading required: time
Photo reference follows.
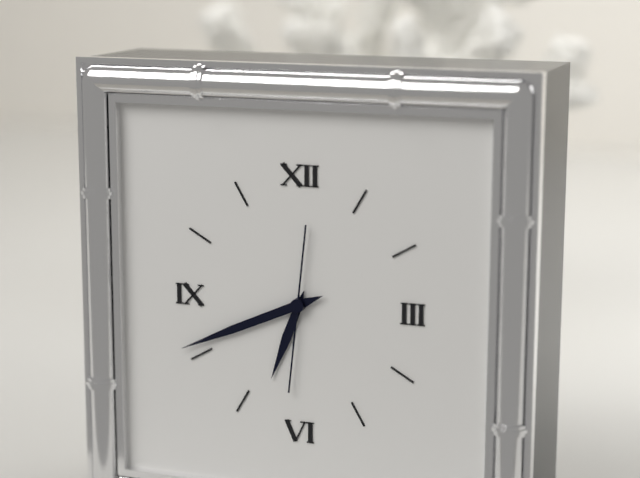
6:41:31
